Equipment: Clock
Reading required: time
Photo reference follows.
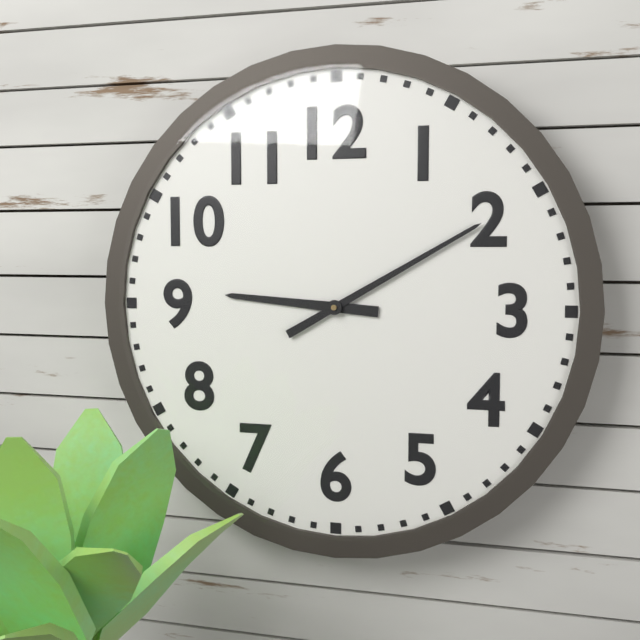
9:10
